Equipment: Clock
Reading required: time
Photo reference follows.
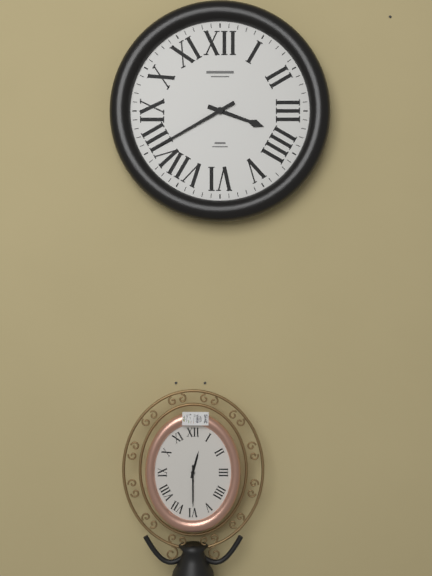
3:40
